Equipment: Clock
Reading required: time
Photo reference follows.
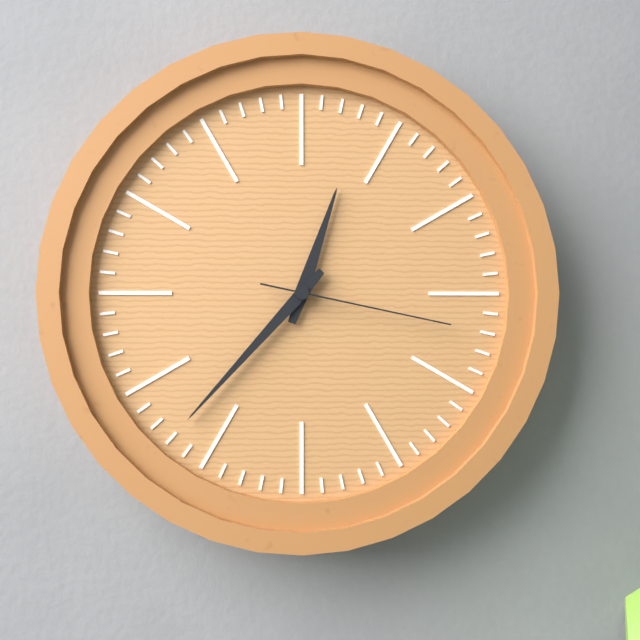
12:37:17
